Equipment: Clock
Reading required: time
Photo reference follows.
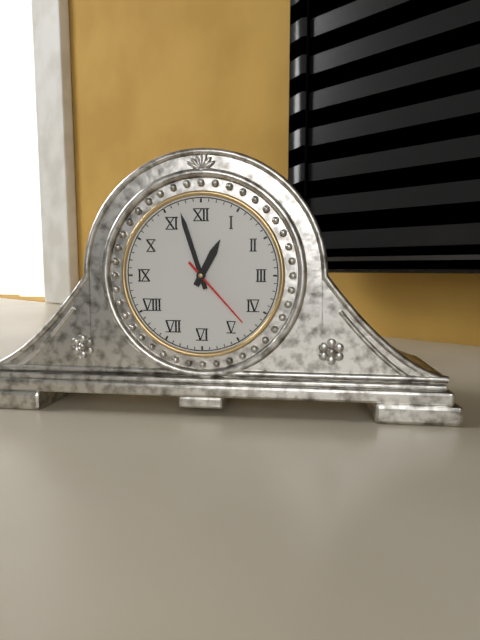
12:57:23
